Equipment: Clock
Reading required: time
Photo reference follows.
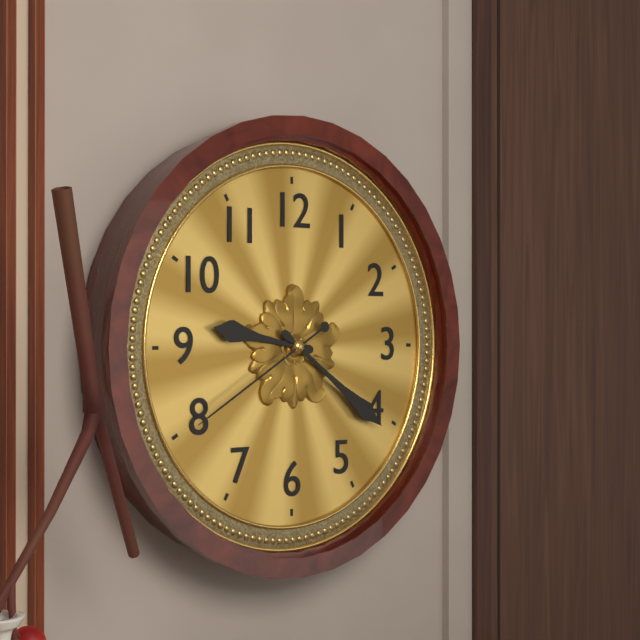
9:21:40
